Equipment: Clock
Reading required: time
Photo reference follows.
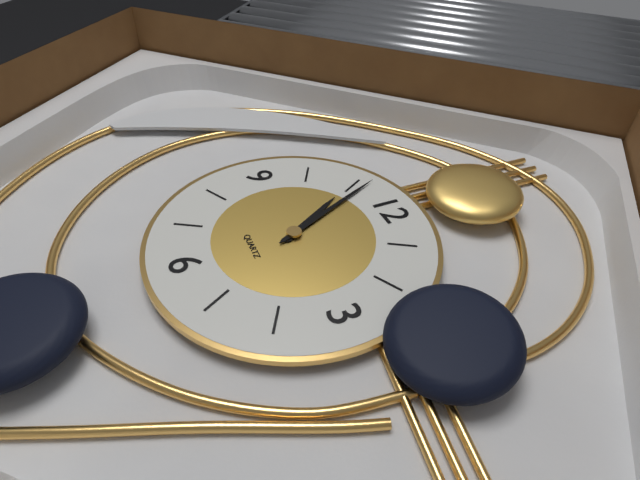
10:56
